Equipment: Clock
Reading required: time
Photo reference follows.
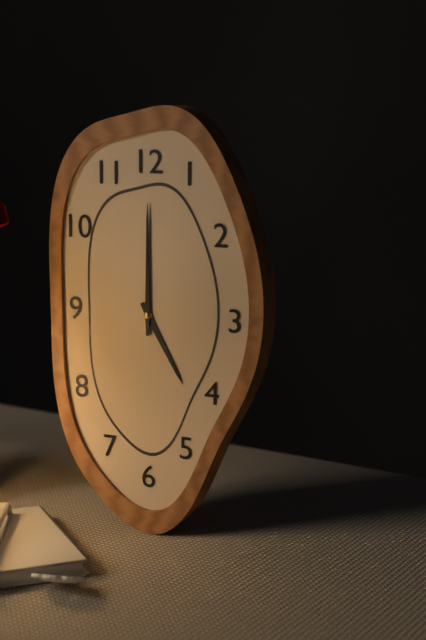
5:00
